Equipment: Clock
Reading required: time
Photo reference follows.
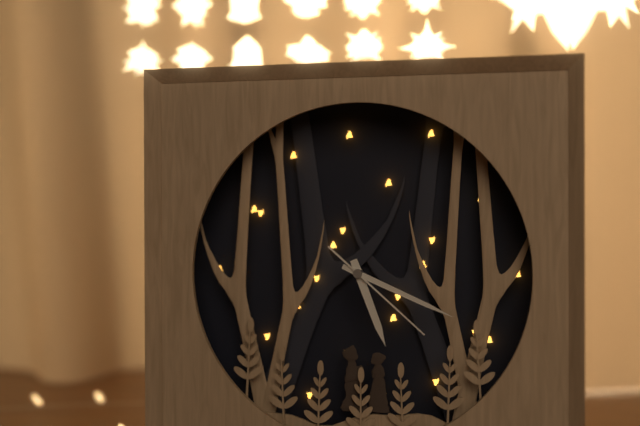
5:19:22
